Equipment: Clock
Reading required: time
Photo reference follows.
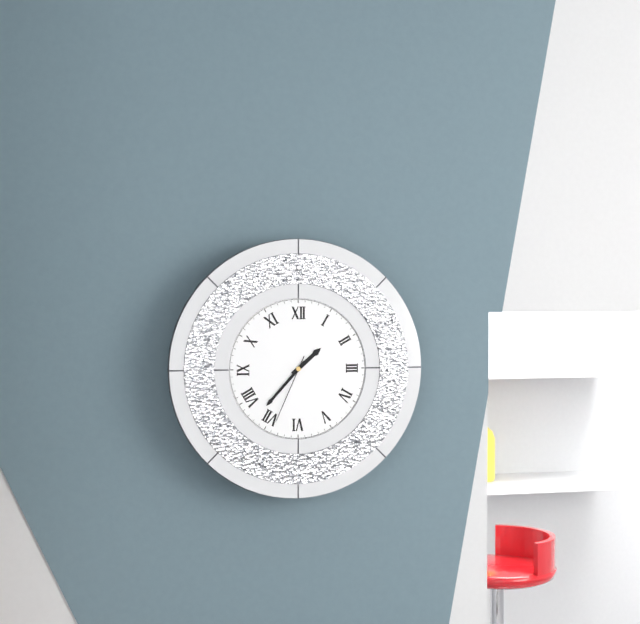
1:37:34
